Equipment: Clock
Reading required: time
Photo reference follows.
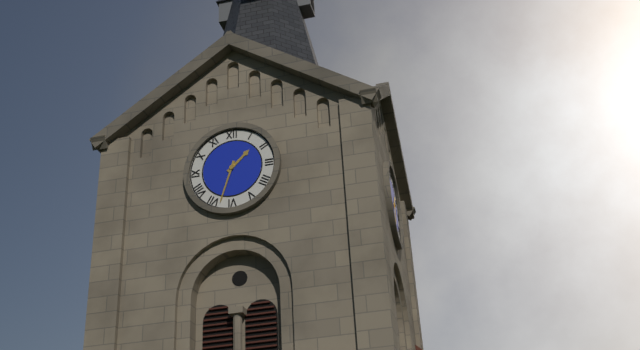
1:33
